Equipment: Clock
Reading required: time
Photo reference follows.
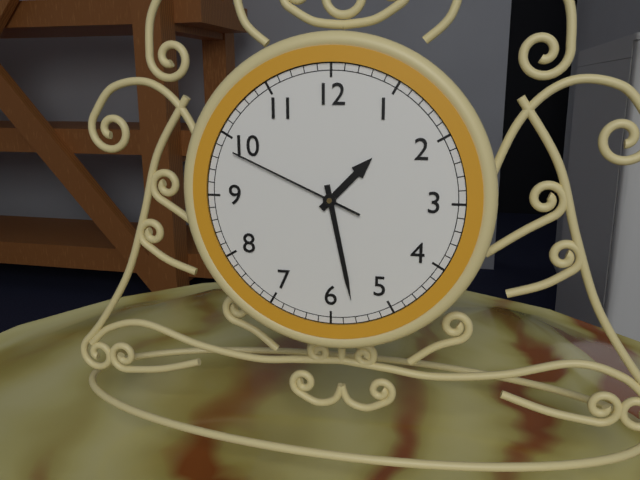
1:28:49
